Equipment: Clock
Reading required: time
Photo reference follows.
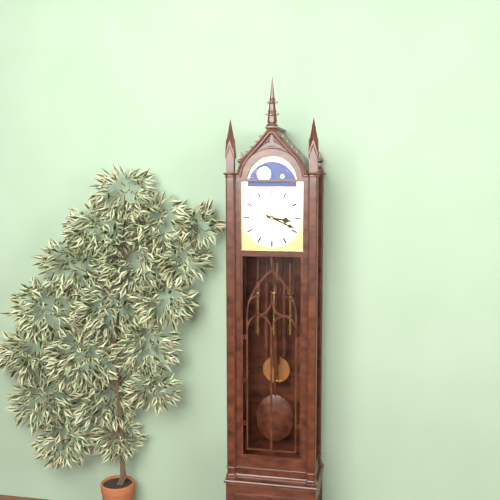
3:19
